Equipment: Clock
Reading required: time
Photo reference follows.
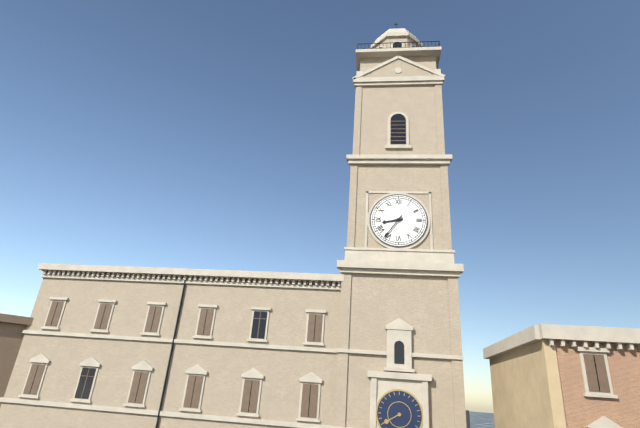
8:36
